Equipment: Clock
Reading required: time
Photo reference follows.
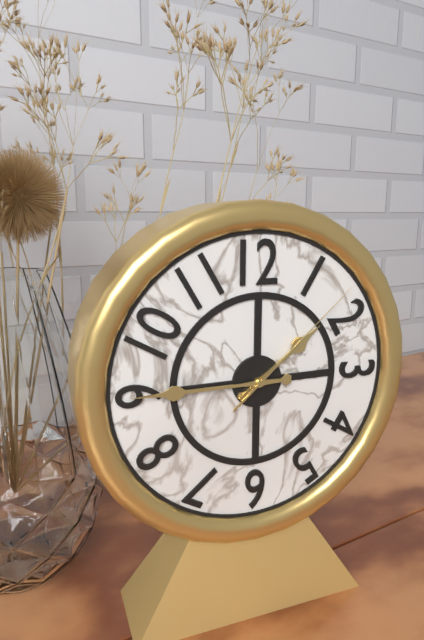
1:45:08
